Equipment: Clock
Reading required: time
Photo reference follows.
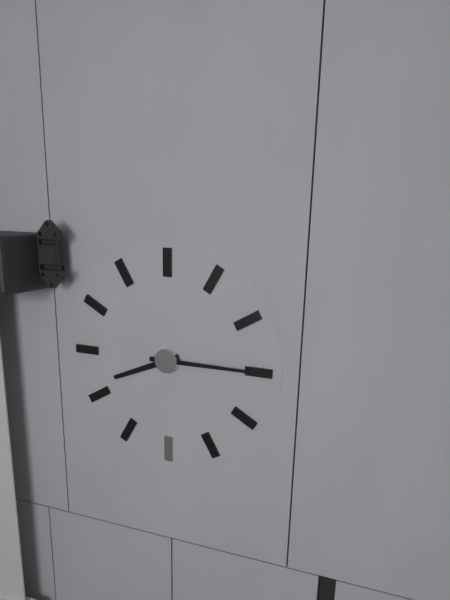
8:15
